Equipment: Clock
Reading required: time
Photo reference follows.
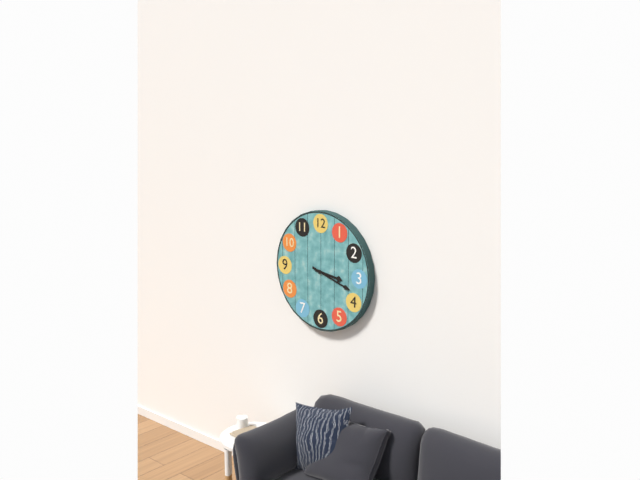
3:18
